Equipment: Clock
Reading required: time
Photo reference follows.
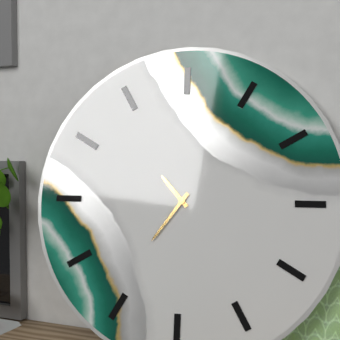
10:36
